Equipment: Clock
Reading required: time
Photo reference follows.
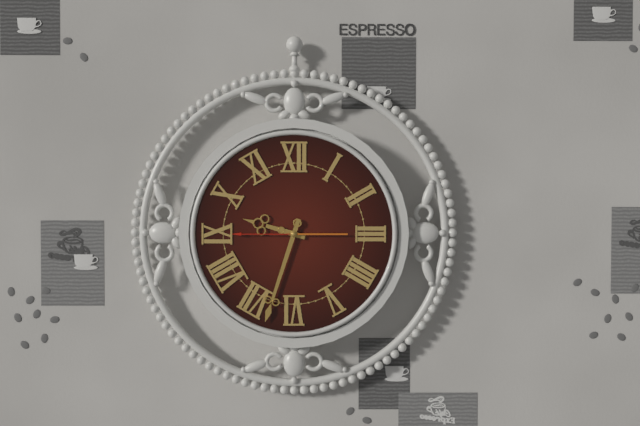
9:33:45
